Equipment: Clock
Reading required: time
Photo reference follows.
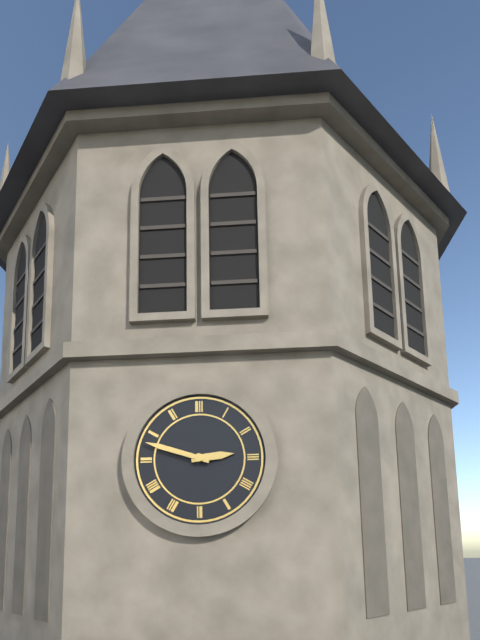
2:48
